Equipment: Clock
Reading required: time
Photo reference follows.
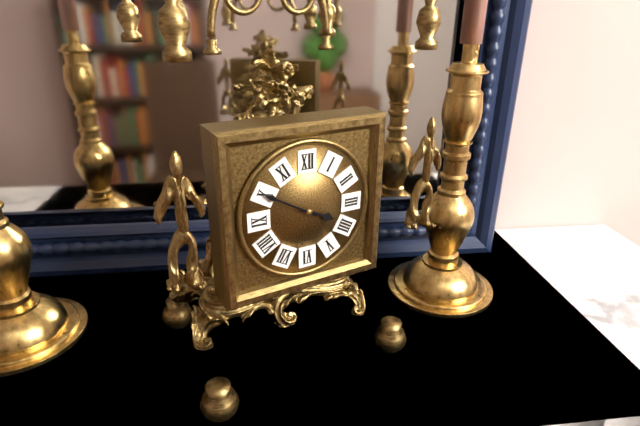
3:50
